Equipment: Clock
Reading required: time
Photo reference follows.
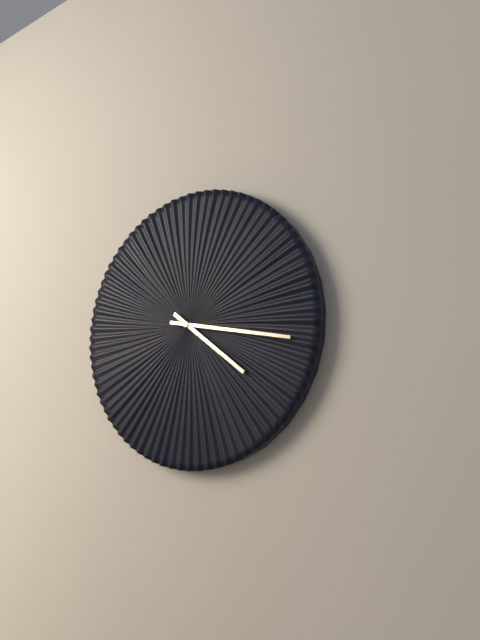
4:17
